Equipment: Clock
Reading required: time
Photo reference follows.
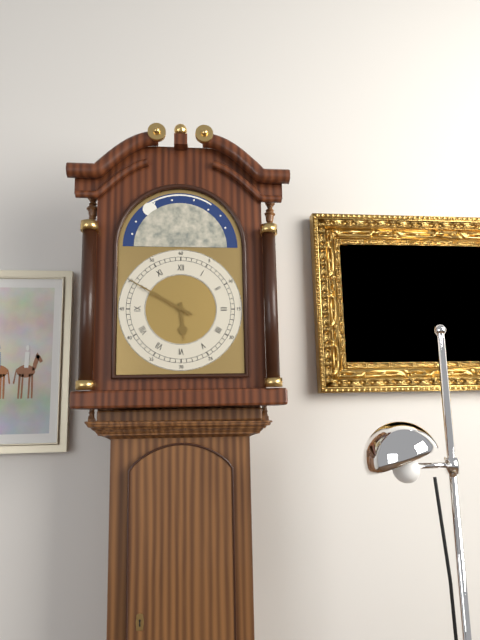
5:50
